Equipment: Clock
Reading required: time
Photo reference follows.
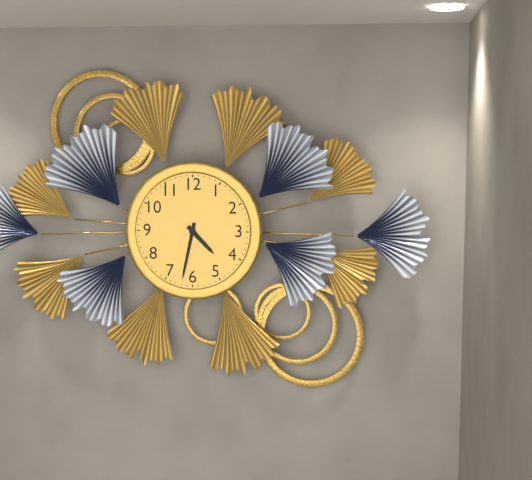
4:32
